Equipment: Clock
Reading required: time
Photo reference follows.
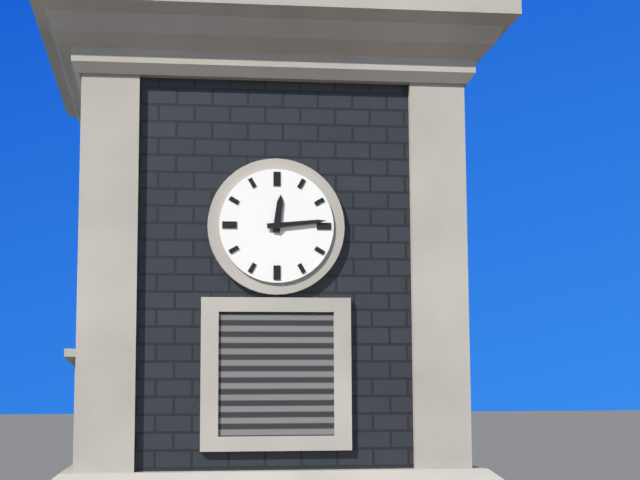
12:14
